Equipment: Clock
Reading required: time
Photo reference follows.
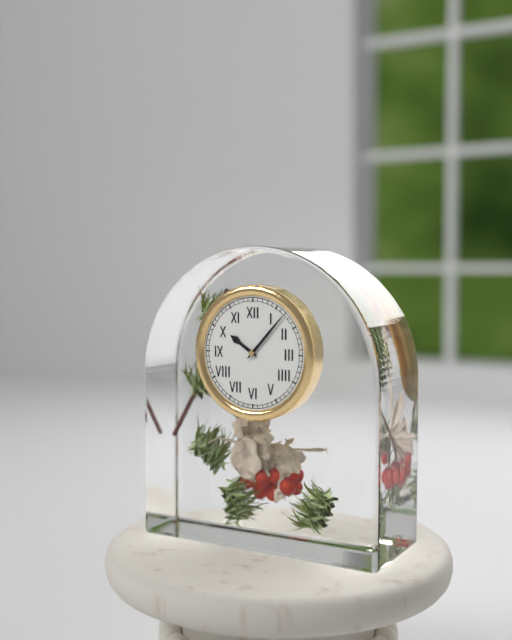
10:07
